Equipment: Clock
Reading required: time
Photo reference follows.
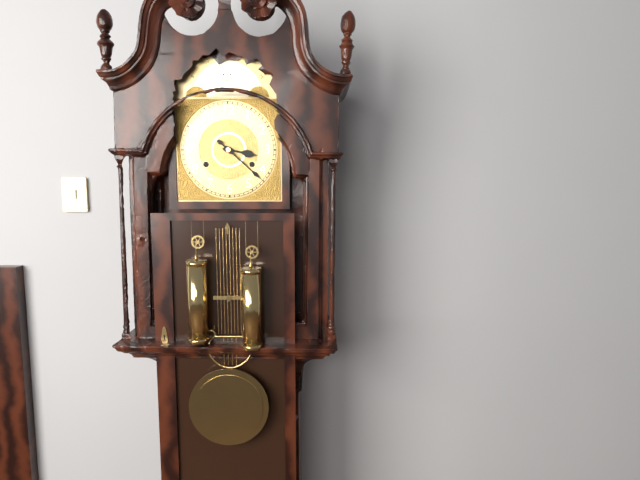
3:22
